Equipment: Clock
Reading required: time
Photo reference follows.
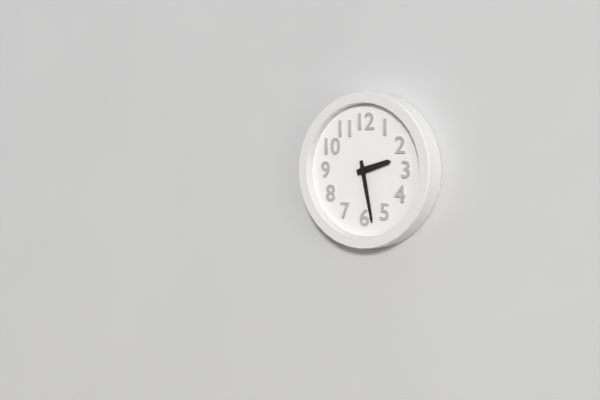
2:28
